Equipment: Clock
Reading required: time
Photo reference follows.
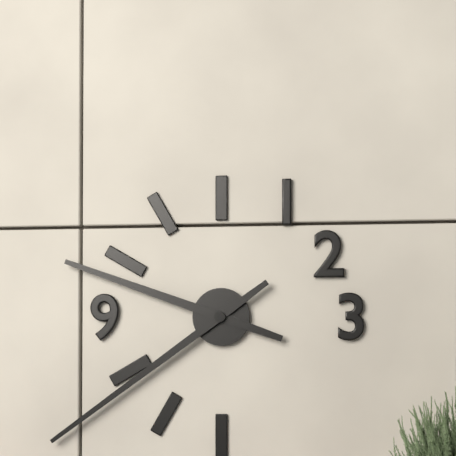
9:39
